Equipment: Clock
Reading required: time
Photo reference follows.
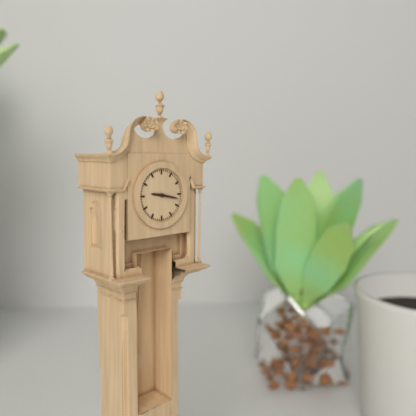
9:17
